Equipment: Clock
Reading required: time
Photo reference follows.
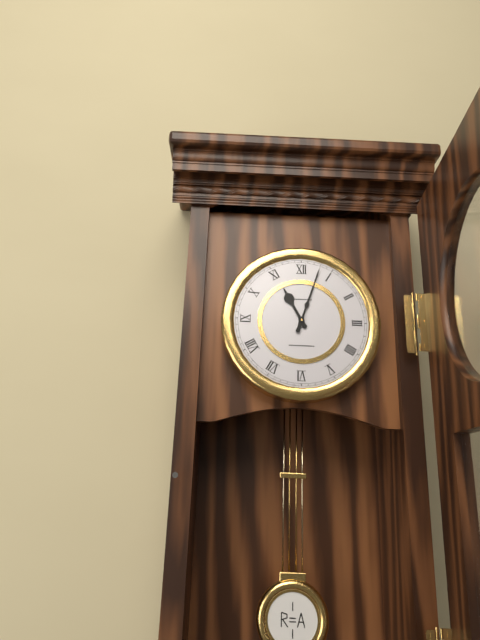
11:03
